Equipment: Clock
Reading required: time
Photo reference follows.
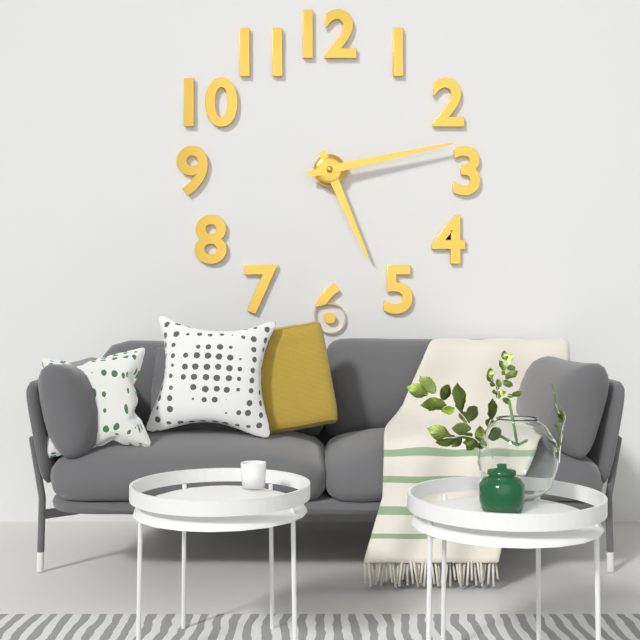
5:13
